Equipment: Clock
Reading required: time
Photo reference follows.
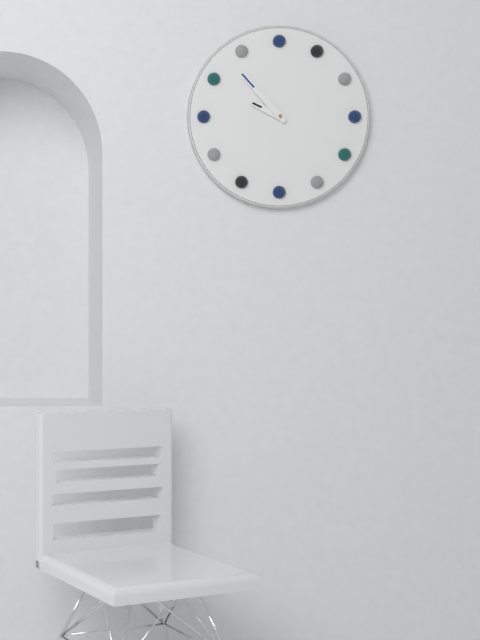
9:53
